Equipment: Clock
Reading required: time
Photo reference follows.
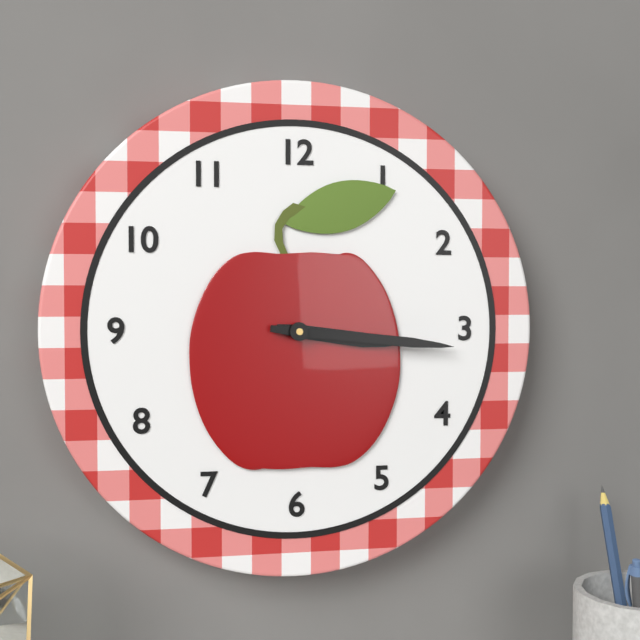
3:16
